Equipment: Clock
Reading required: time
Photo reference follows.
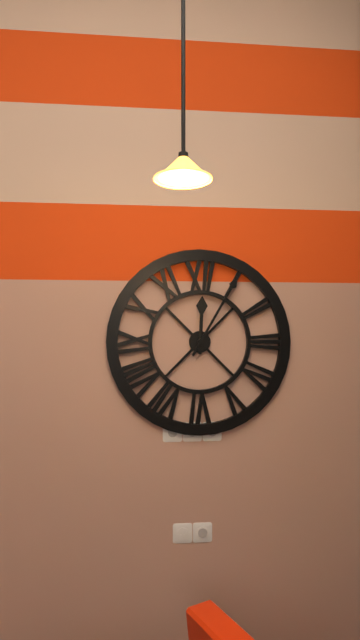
12:05
